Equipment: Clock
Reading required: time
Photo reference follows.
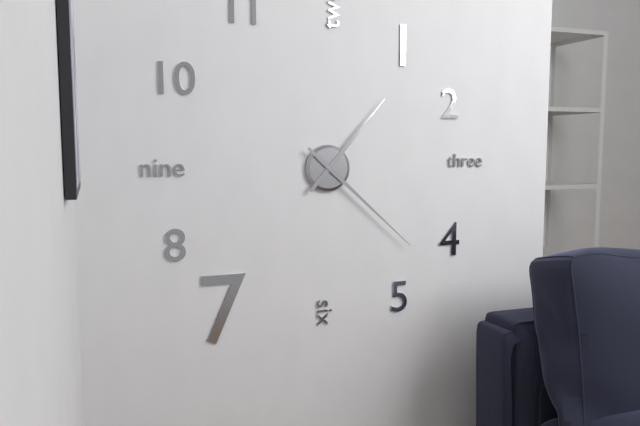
1:22
